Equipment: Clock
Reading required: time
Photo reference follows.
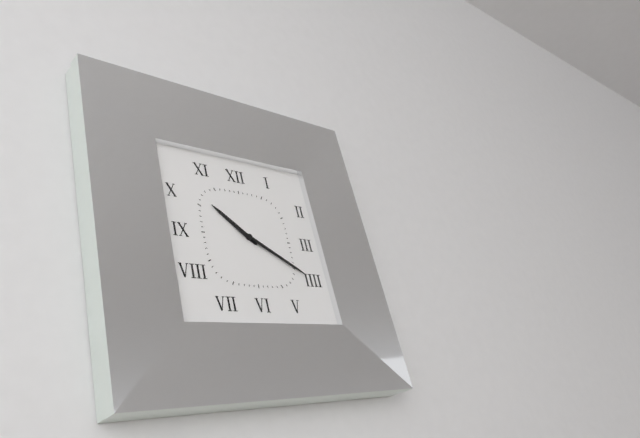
10:20
